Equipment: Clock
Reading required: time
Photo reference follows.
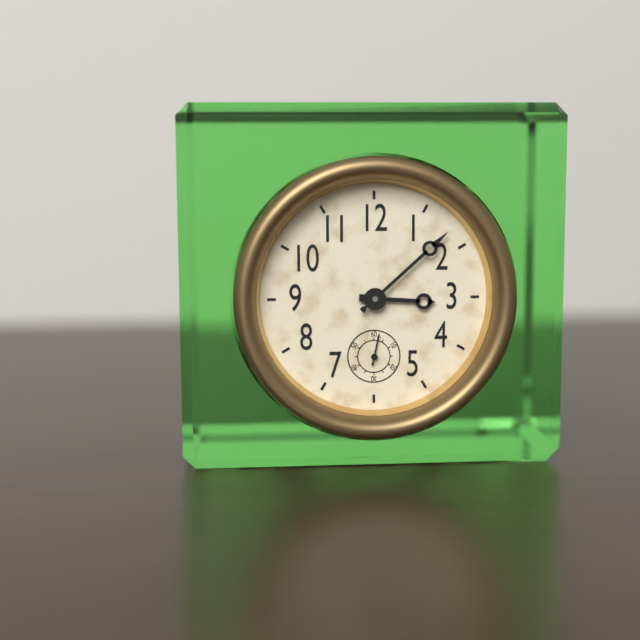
3:08
